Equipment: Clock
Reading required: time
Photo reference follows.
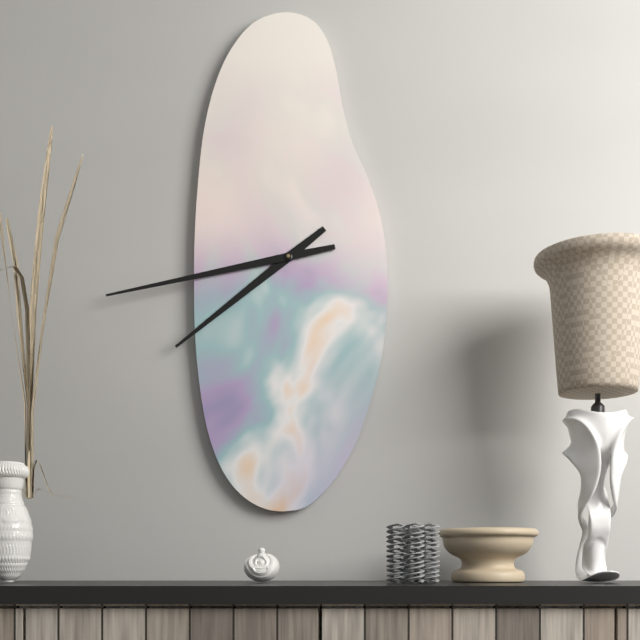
7:43
